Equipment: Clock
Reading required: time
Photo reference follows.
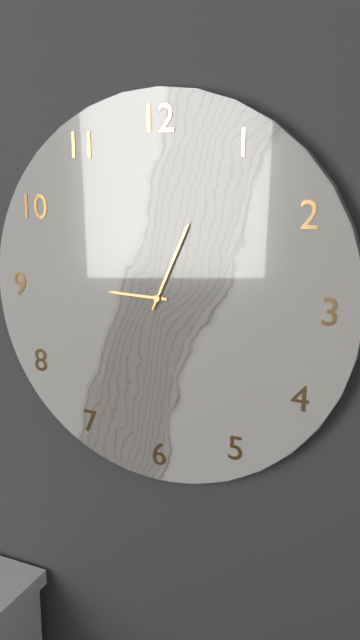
9:04
